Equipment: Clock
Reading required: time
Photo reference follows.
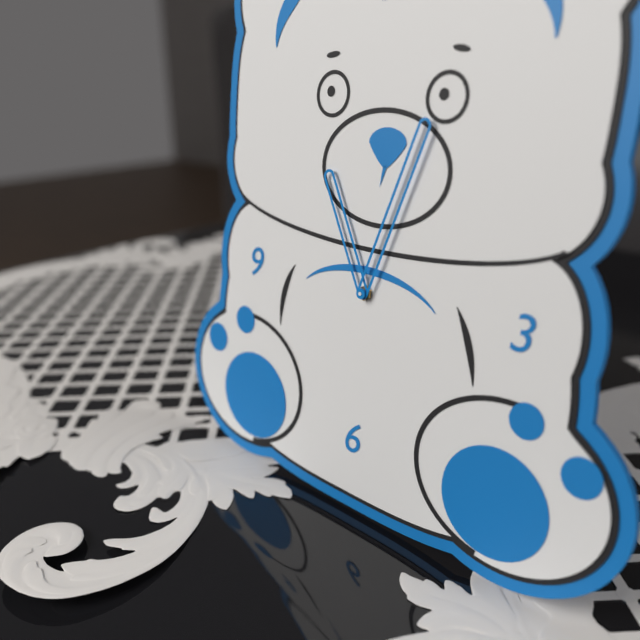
11:03
